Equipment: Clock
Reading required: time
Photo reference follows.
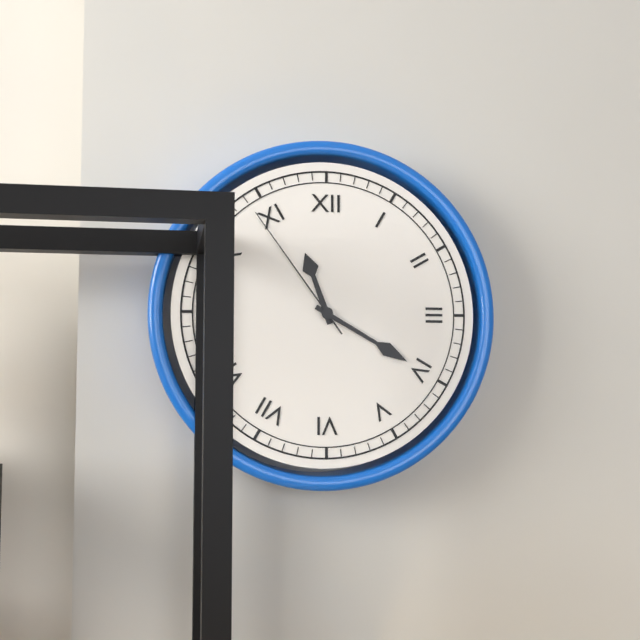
11:20:54
